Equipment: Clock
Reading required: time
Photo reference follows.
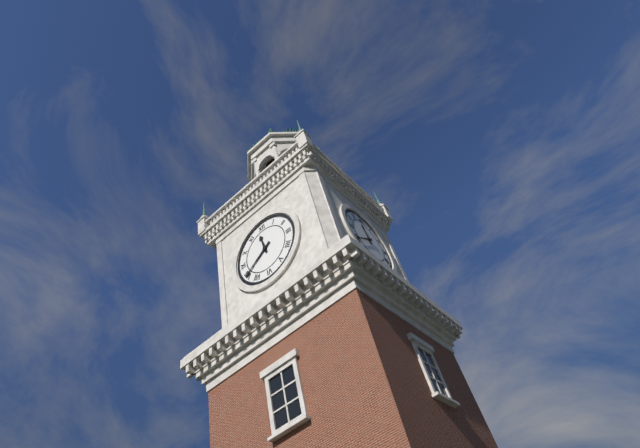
11:40
